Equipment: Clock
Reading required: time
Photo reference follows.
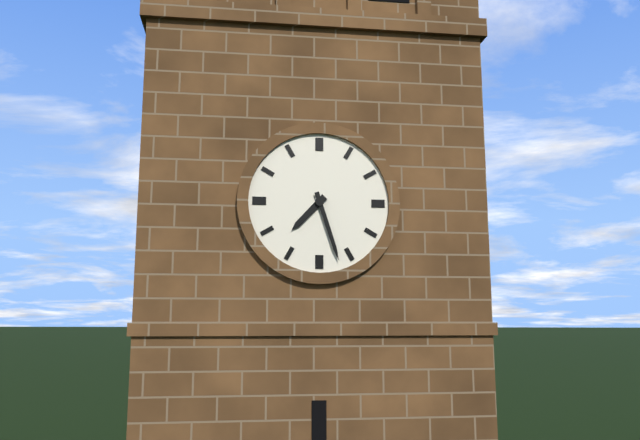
7:27
